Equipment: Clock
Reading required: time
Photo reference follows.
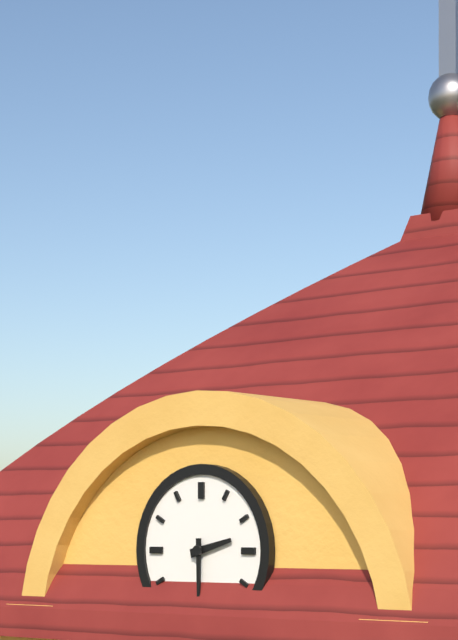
2:30
